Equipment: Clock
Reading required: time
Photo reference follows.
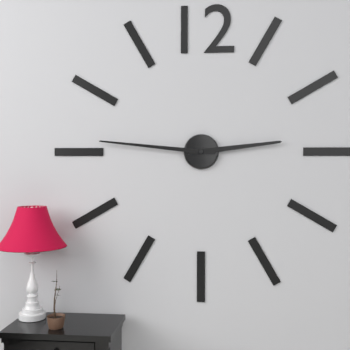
2:46
